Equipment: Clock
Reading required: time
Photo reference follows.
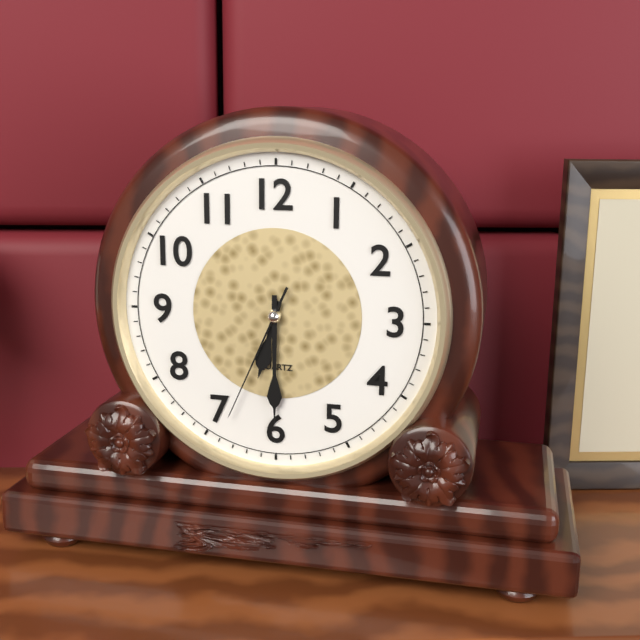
6:30:34
